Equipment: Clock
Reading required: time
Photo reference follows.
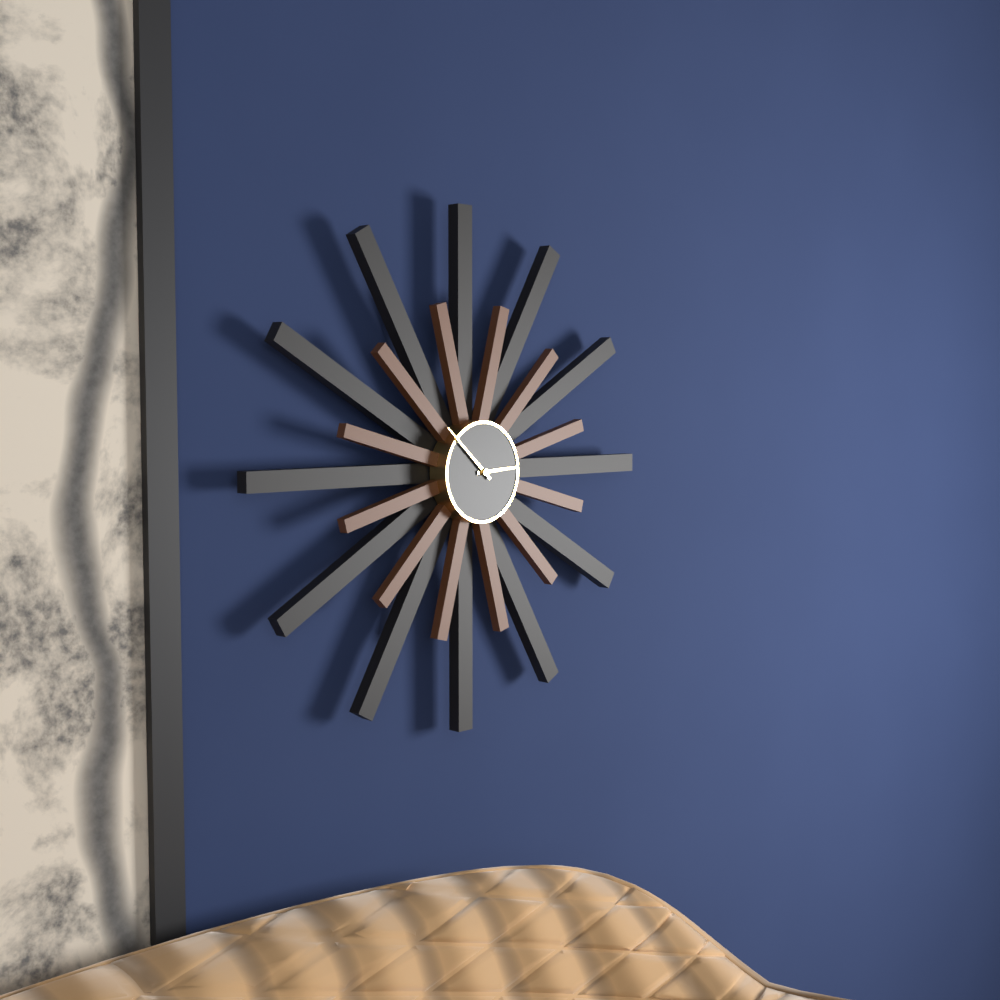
2:52
